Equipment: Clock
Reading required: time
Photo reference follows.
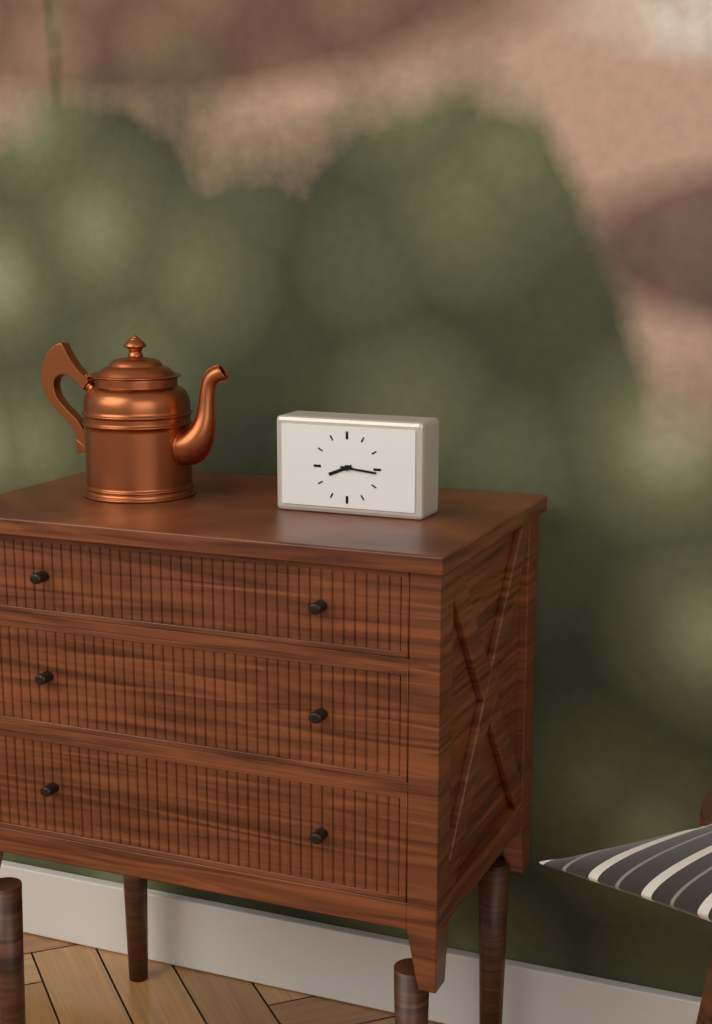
8:16
